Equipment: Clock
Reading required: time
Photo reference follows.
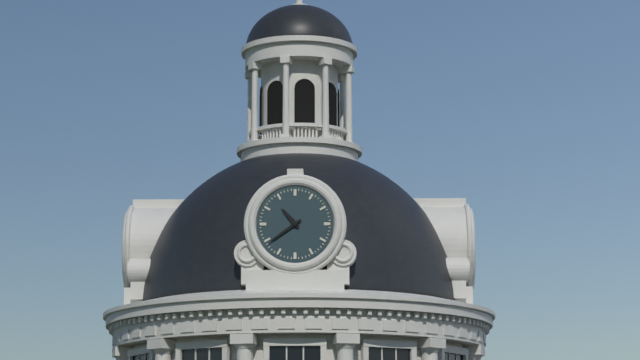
10:39
